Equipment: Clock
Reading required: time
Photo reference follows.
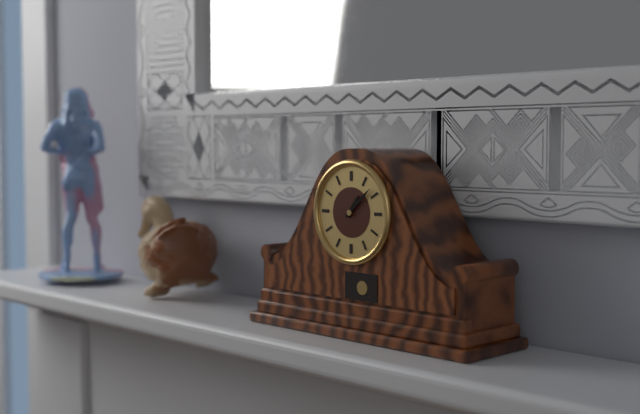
1:08
